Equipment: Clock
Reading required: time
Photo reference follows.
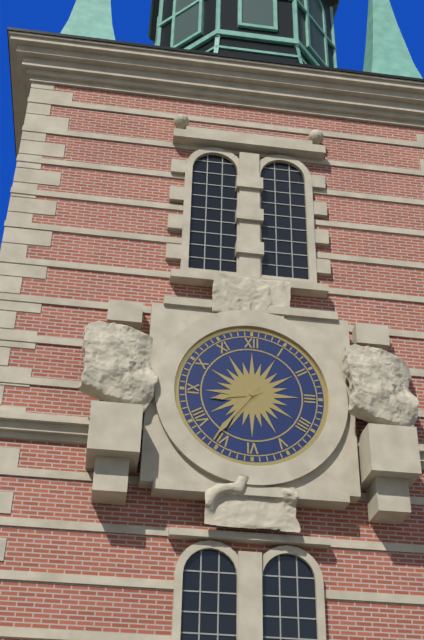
8:36
